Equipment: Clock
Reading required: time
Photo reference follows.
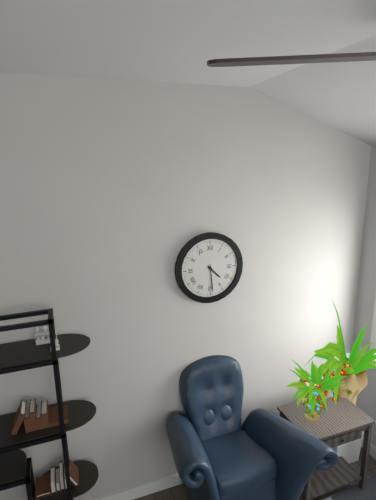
4:29
